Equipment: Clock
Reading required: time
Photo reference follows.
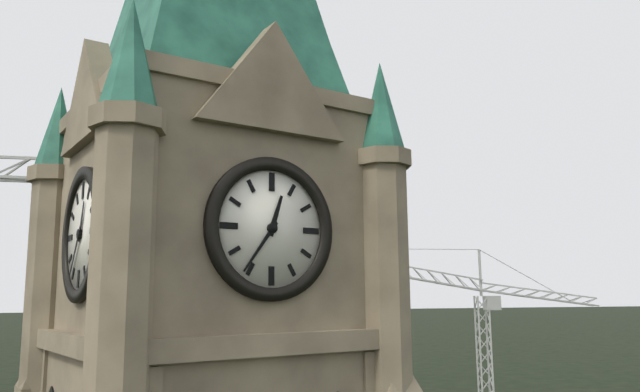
12:36
